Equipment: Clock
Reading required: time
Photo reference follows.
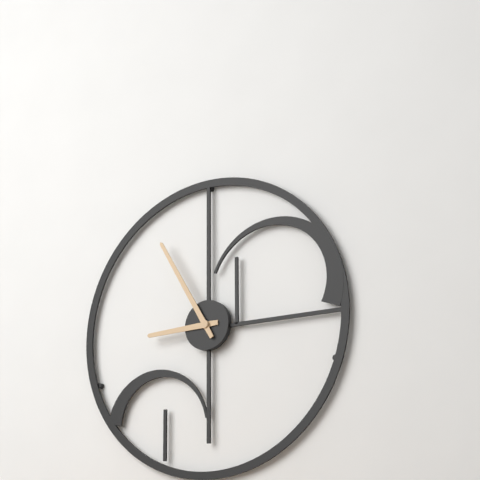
8:55
